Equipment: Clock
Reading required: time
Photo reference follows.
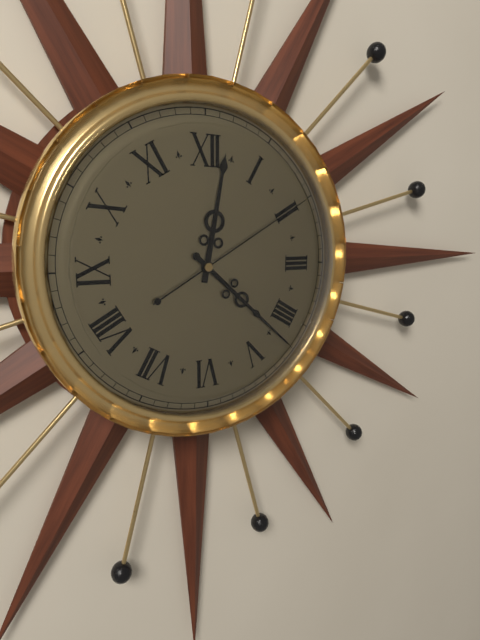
12:22:10
